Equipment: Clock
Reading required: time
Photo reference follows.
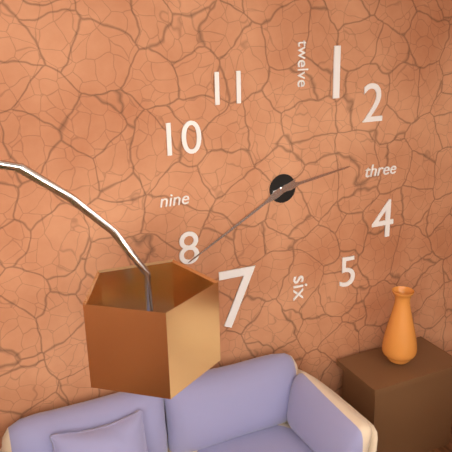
2:40
